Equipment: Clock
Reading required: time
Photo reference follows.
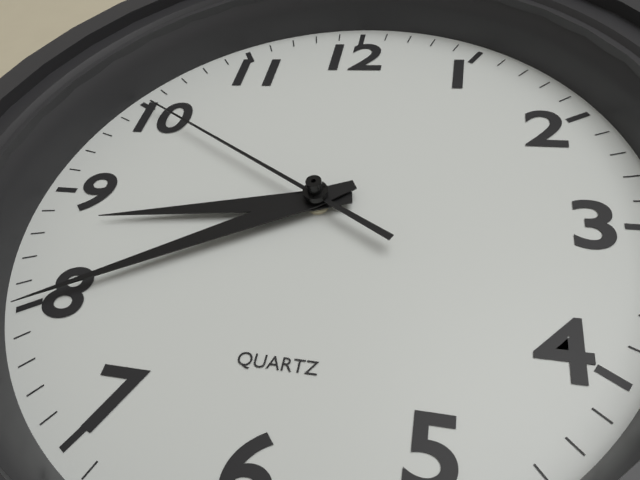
8:40:50
